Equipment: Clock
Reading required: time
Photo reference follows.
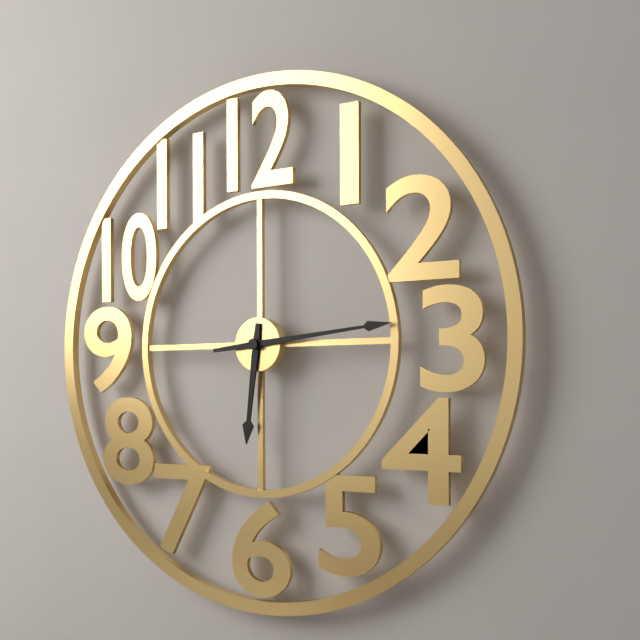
6:14
